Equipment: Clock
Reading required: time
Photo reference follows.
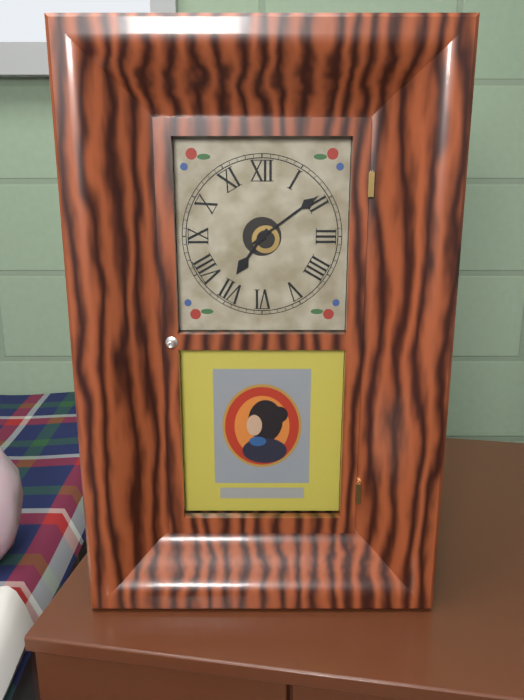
7:09
